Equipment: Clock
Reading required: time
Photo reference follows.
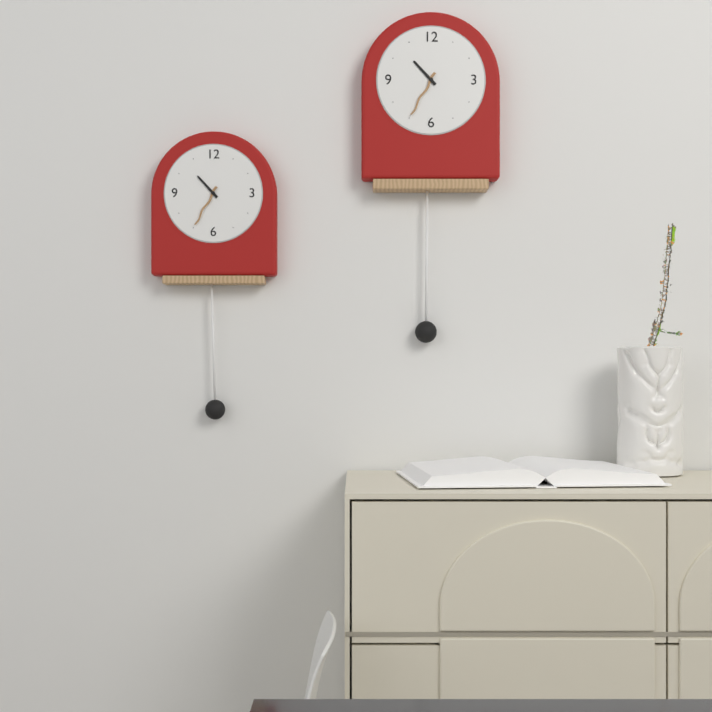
10:35
